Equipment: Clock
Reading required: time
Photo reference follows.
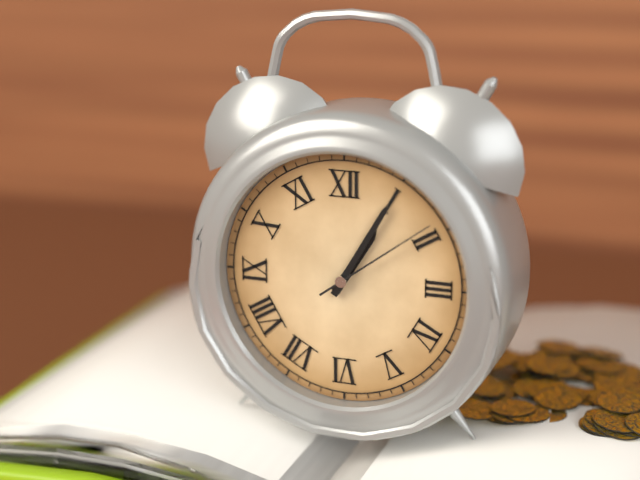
1:05:09
